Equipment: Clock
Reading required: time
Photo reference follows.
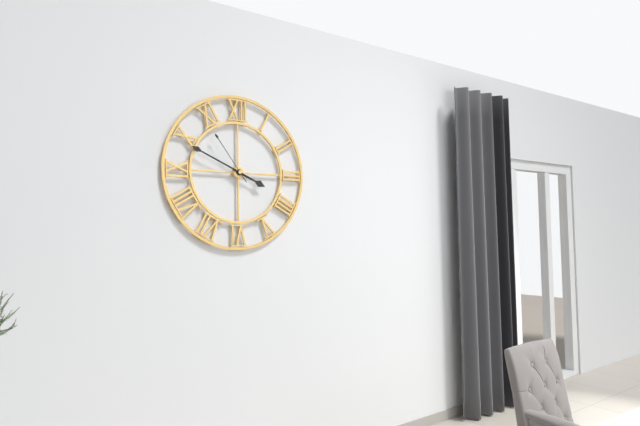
3:49:54
